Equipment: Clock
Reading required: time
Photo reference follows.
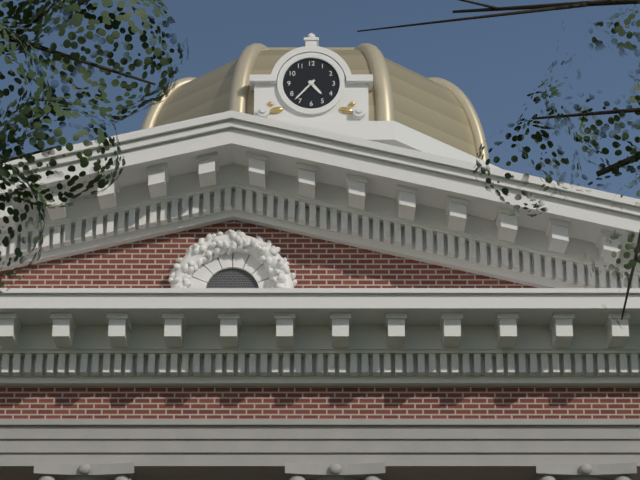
4:37
